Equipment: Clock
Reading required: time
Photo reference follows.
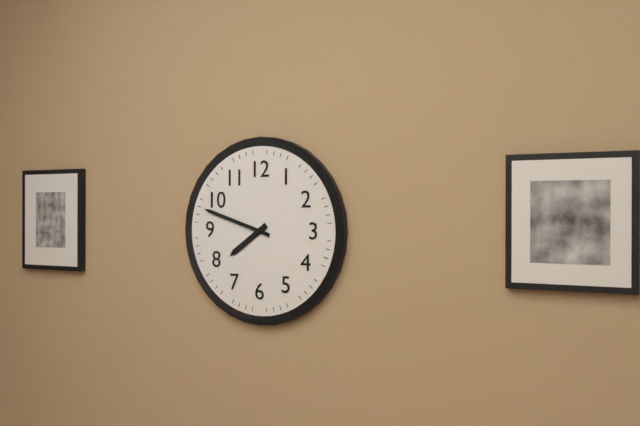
7:48
